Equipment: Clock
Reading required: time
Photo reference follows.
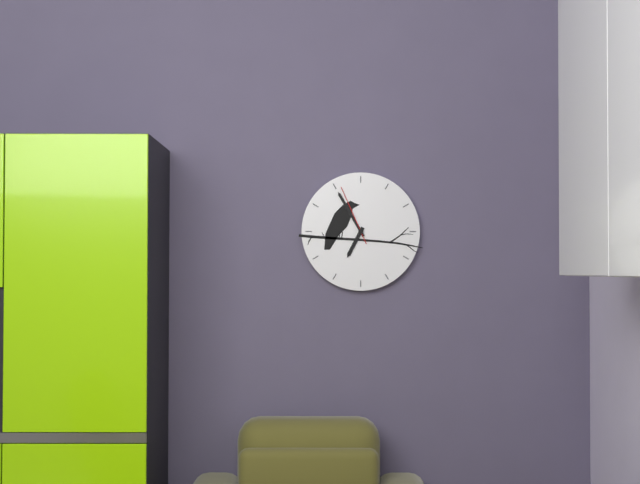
6:55:56
